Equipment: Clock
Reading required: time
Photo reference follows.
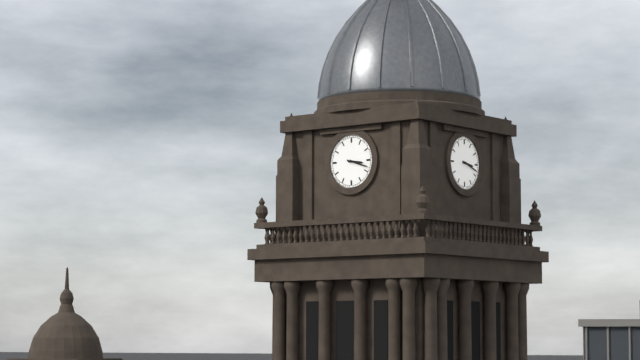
3:18
